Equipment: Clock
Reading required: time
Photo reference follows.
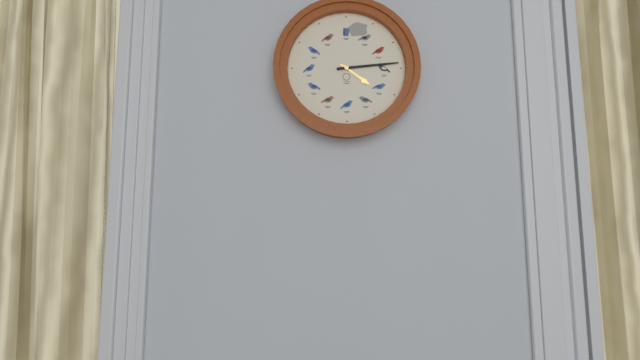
4:14
